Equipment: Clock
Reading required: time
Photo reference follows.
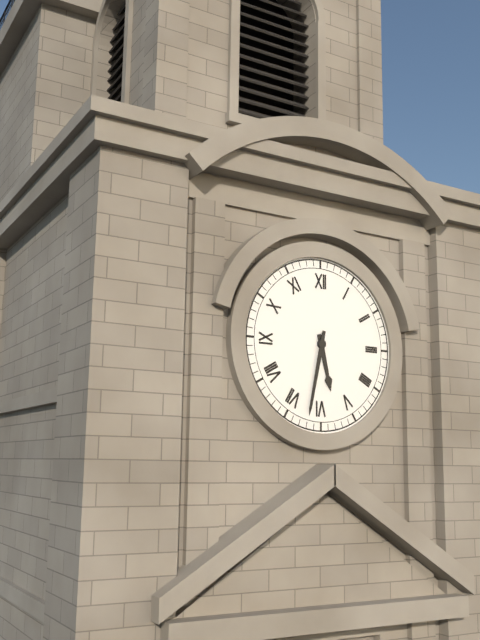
5:32
